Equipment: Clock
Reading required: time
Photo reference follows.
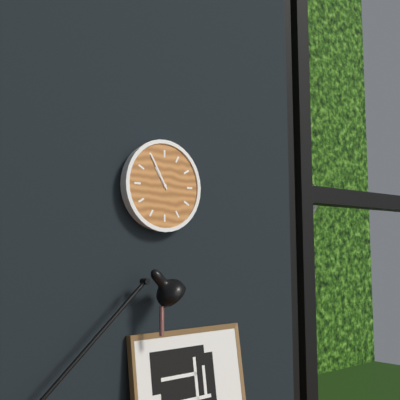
10:55
